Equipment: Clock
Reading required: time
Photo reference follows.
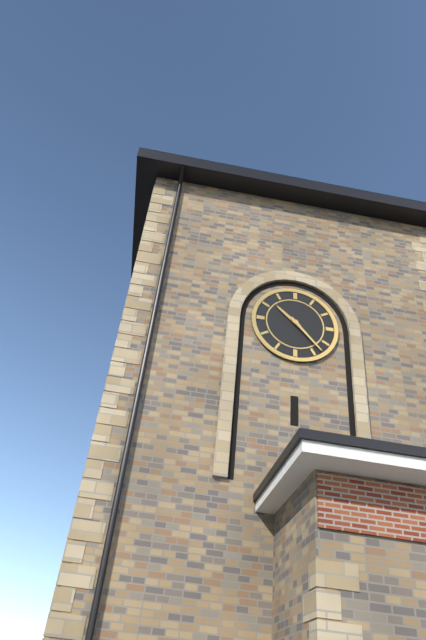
10:23
